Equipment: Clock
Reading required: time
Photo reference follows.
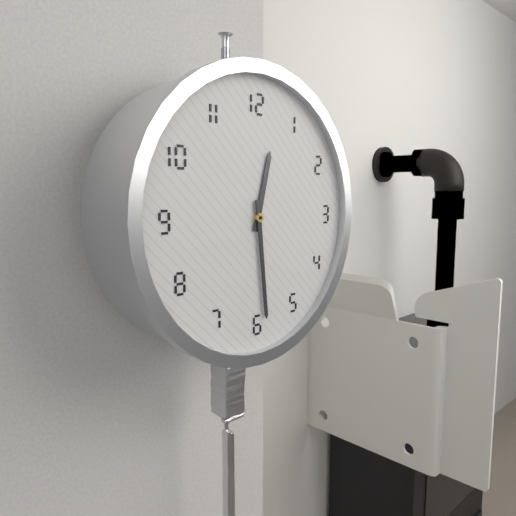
12:29
